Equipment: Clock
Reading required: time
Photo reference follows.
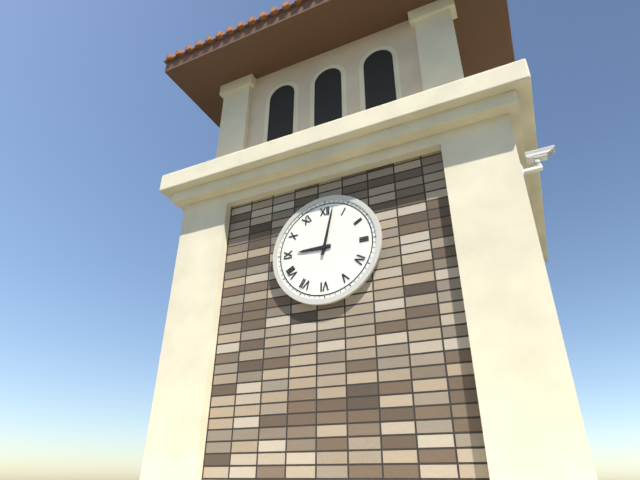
9:02
